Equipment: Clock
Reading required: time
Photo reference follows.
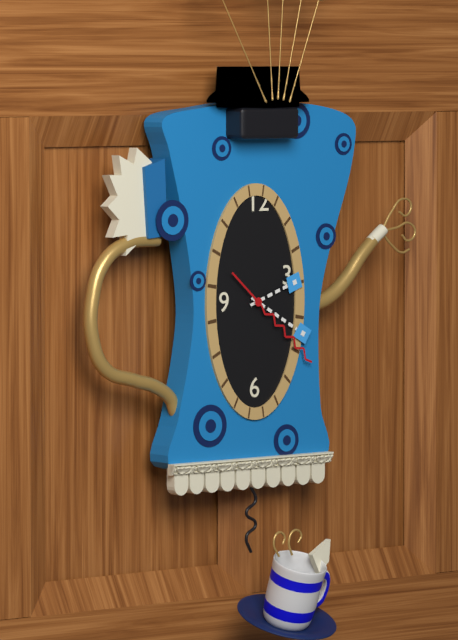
2:20:22
